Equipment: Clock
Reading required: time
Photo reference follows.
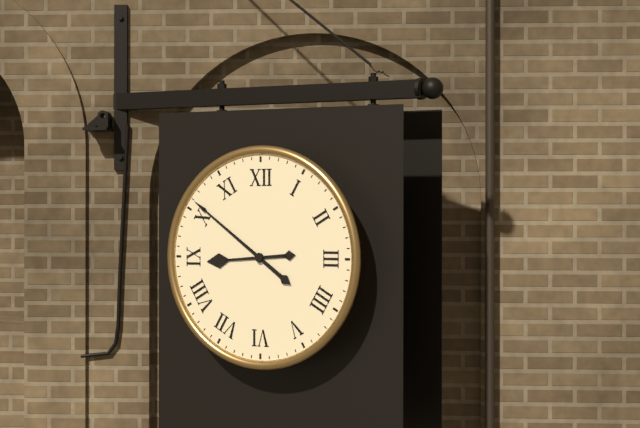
8:51
